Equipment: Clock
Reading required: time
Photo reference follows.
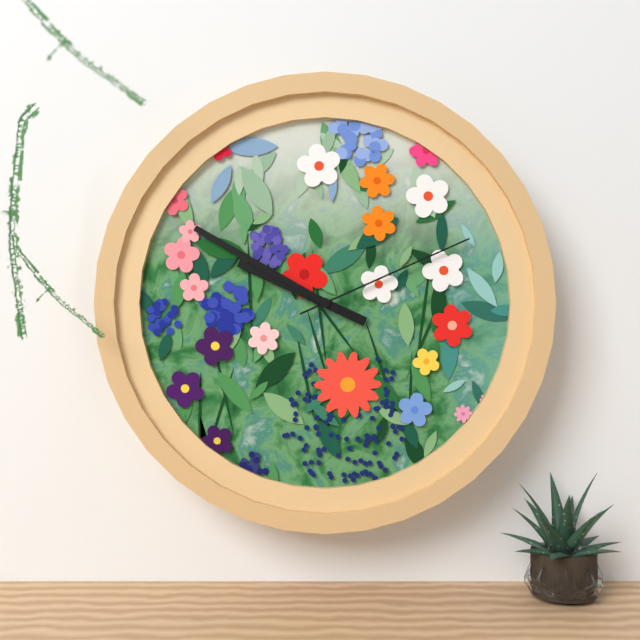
9:50:11
